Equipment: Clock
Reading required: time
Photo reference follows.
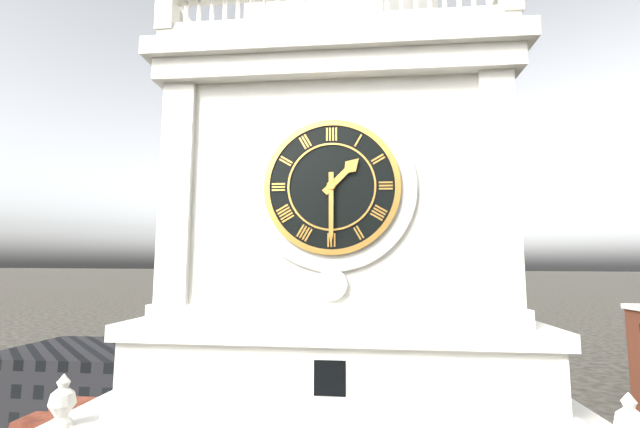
1:30
